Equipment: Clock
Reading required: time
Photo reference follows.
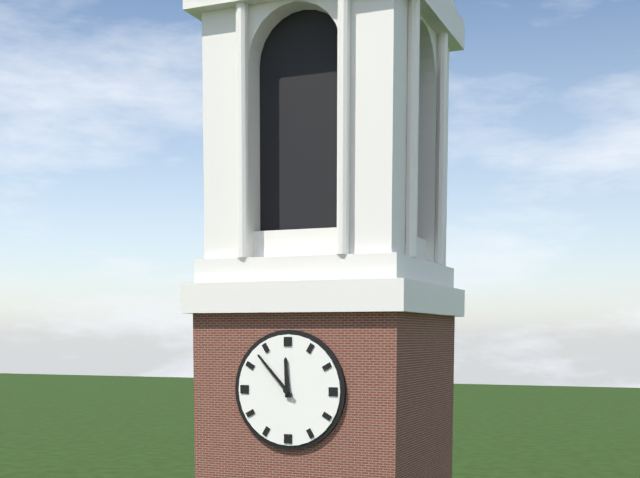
11:53
